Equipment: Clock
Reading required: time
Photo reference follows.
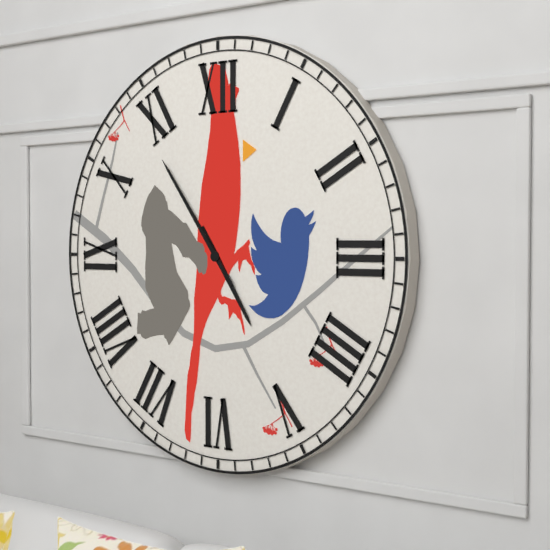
4:54
